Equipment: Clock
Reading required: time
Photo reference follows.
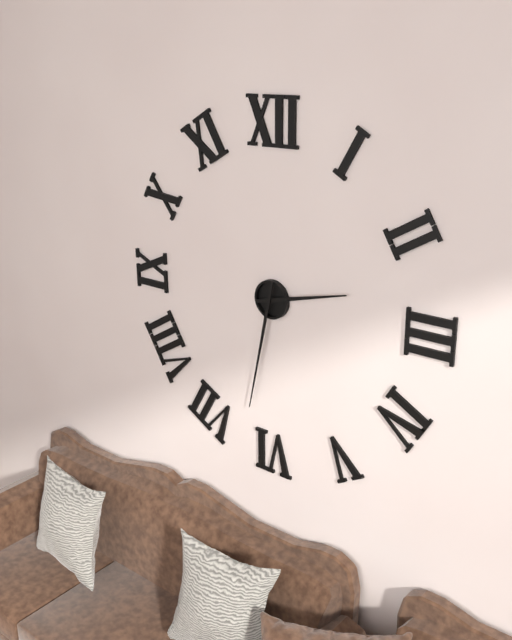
2:32
